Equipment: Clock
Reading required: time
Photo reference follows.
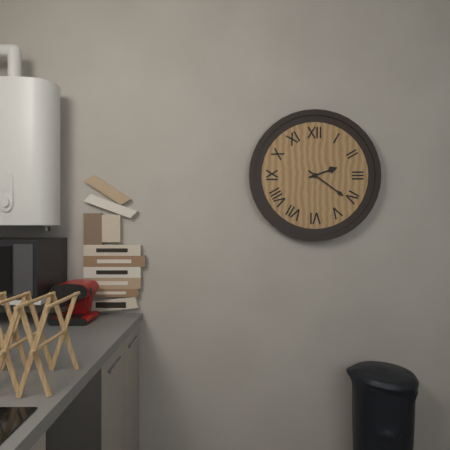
2:21
